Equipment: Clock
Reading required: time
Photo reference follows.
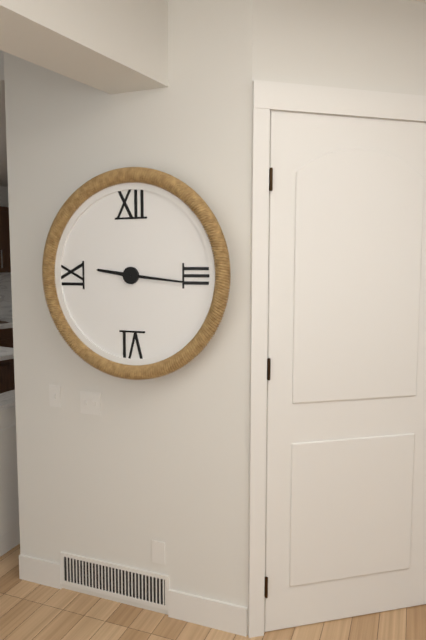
9:16
